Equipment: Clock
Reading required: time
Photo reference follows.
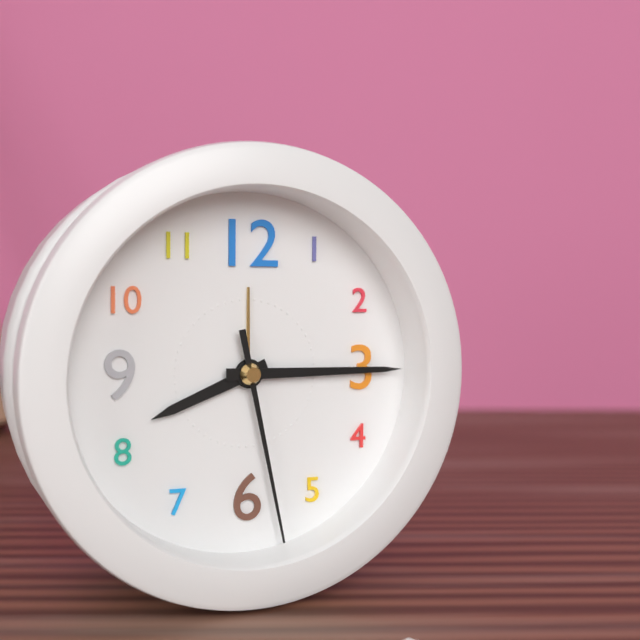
8:15:28
